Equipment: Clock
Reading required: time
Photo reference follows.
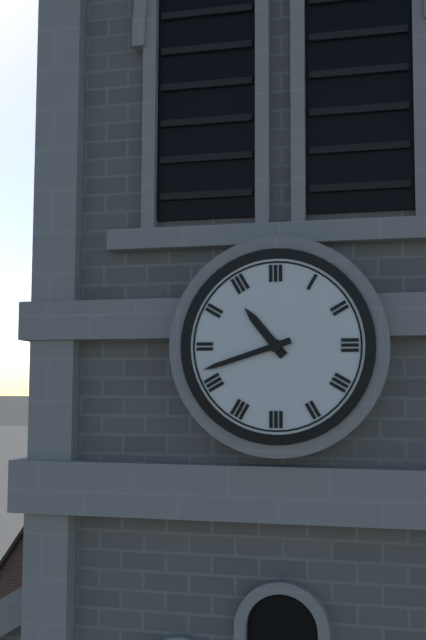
10:42
